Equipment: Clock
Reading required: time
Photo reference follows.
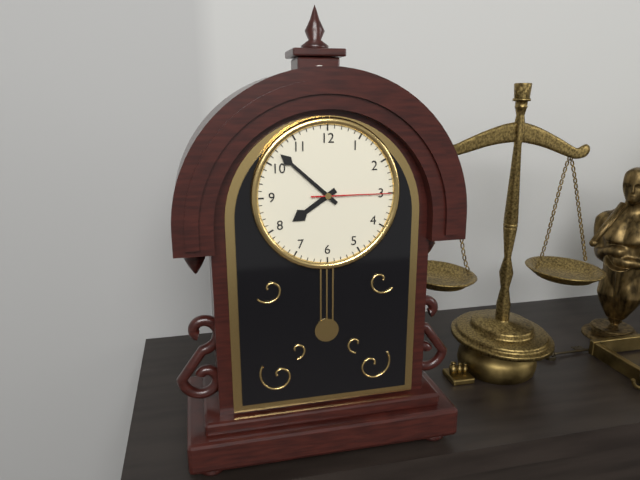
7:52:15
